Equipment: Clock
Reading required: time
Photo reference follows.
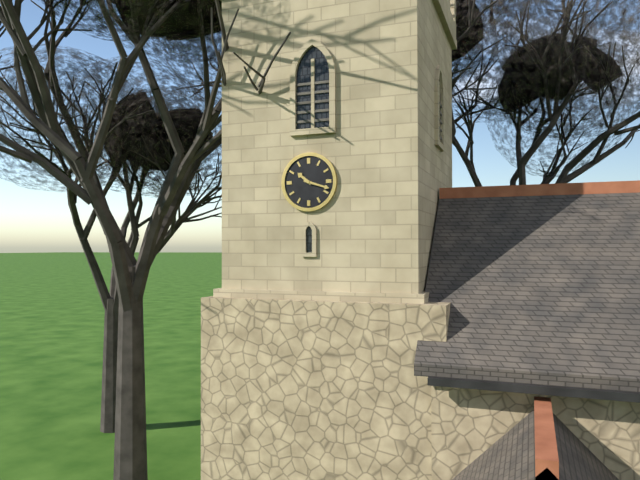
10:18
